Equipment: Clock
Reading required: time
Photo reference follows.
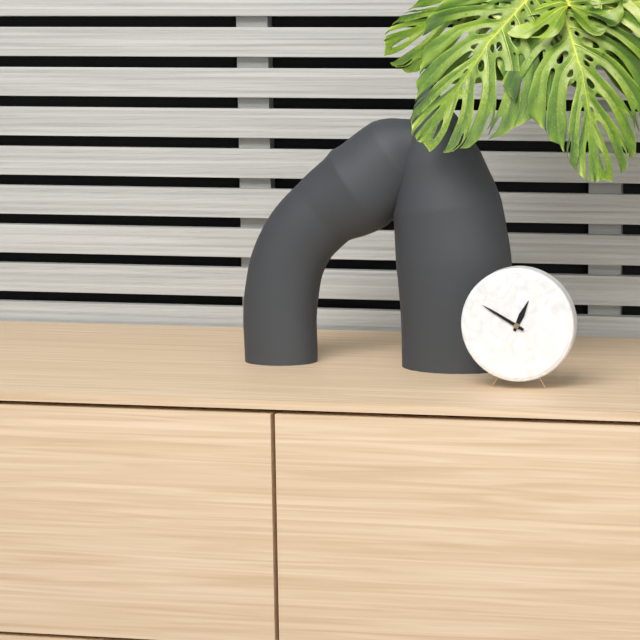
12:50
